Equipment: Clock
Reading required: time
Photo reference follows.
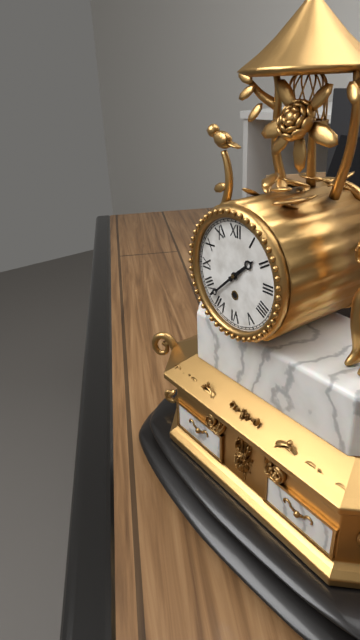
1:38
